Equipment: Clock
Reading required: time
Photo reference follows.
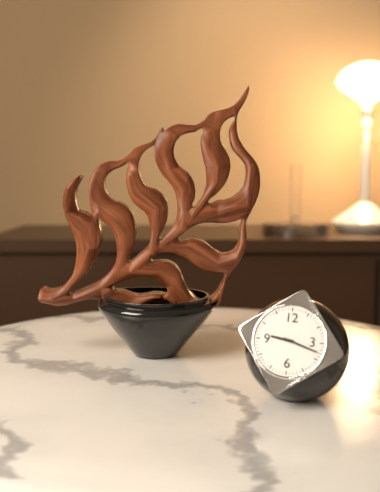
9:18
